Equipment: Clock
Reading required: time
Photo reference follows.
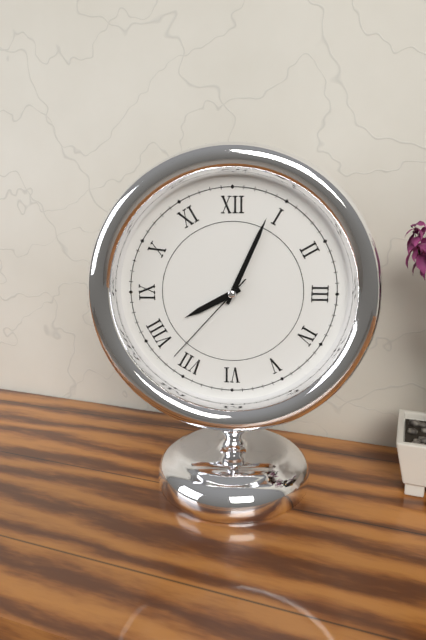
8:04:37
